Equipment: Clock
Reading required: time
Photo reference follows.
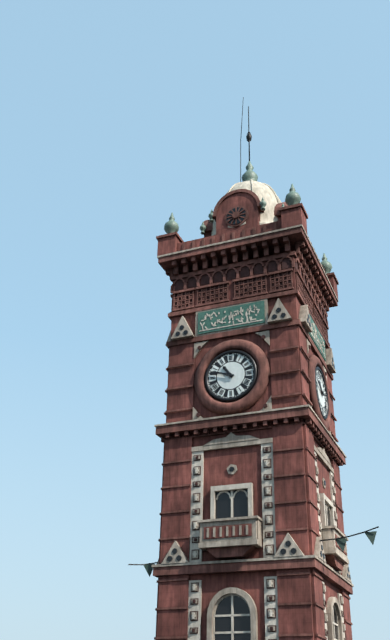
10:48
